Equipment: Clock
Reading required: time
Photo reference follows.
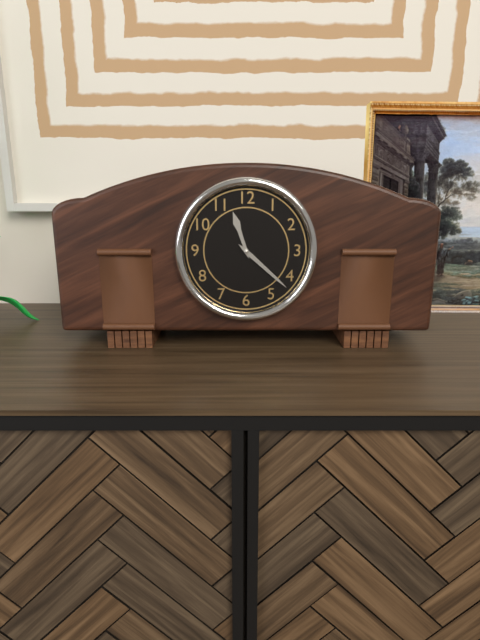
11:22
